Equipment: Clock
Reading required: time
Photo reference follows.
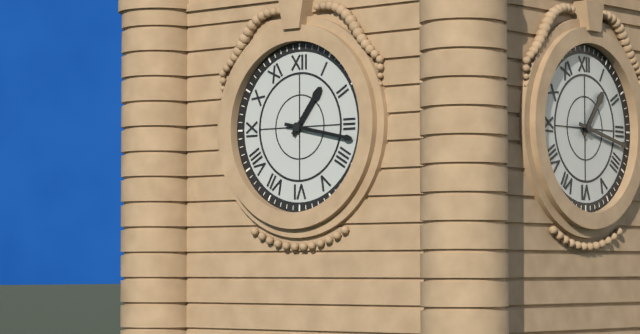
1:17
